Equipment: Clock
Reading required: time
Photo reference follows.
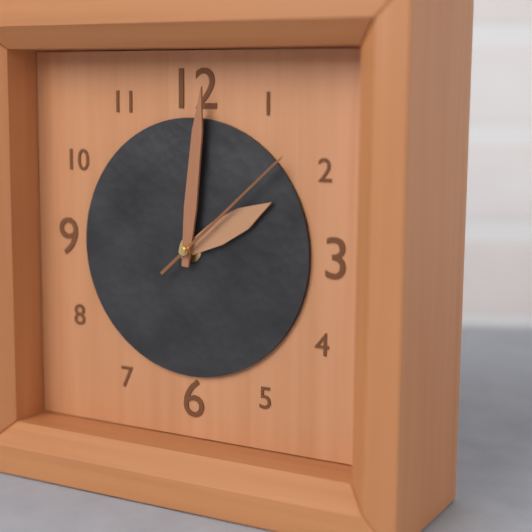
2:01:08
